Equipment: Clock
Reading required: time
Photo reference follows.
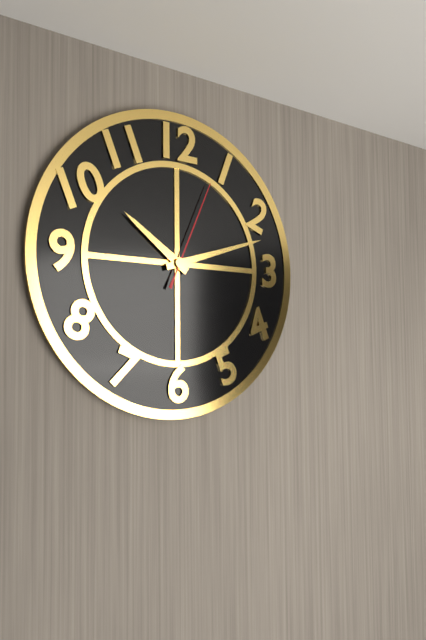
10:12:04
